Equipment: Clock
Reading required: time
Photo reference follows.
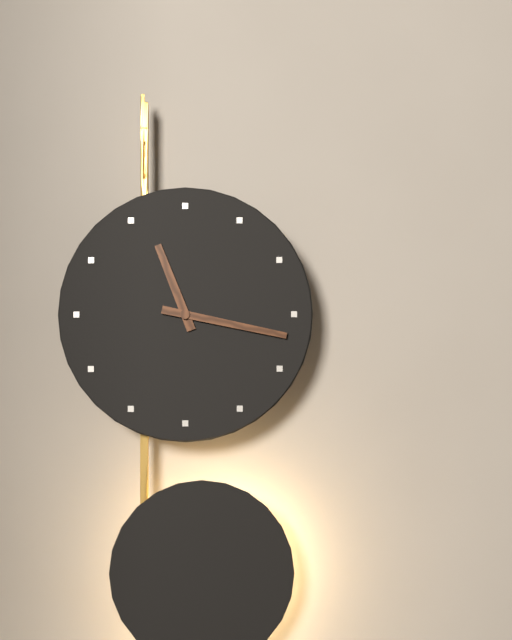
11:17
